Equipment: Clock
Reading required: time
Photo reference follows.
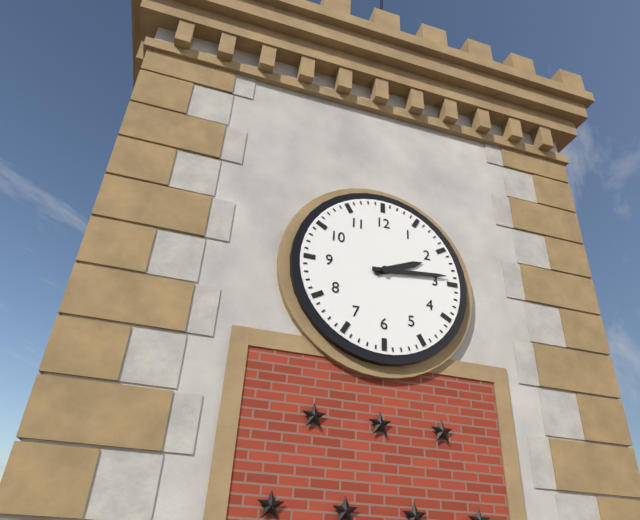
2:14
